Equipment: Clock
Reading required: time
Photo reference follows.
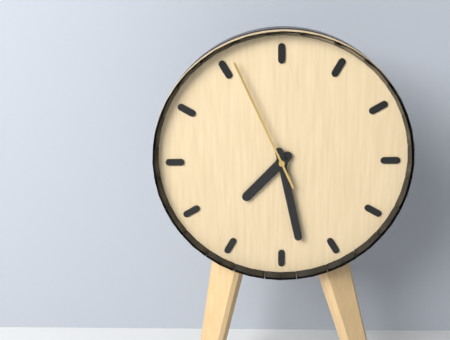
7:28:56
